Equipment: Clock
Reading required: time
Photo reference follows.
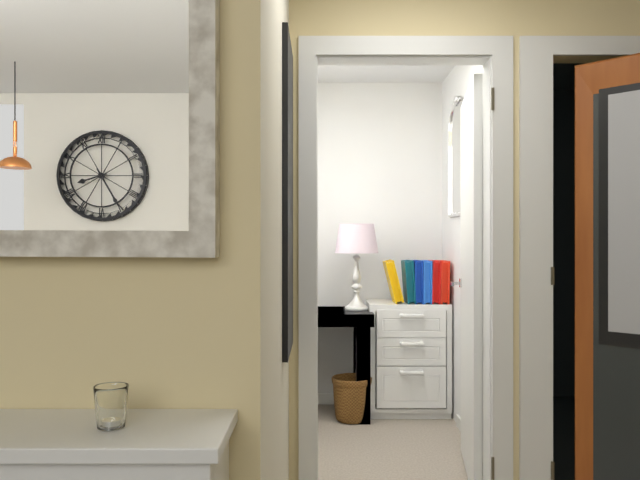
8:25
